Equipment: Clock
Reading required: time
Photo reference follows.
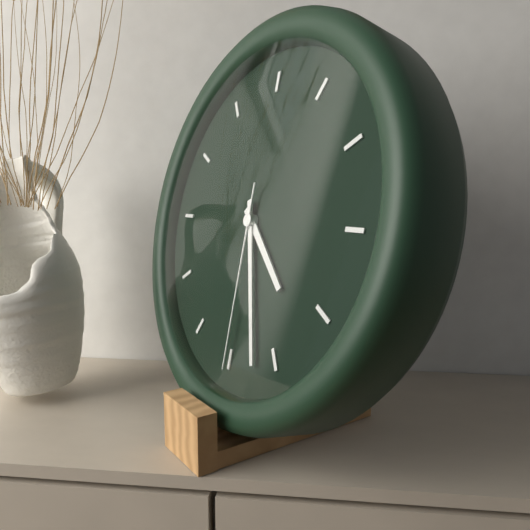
4:27:30
